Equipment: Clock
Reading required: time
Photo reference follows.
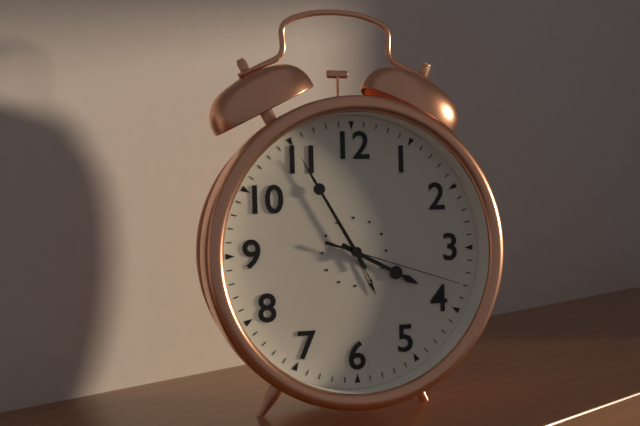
3:55:18
